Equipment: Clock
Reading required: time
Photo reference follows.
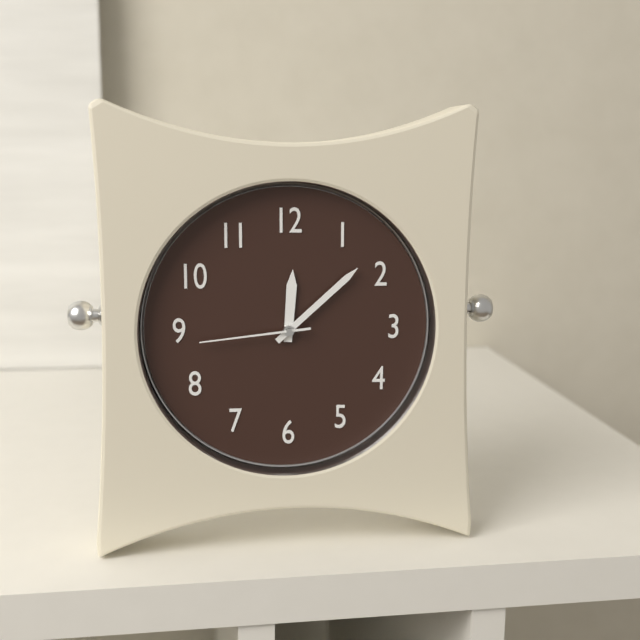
12:08:44
